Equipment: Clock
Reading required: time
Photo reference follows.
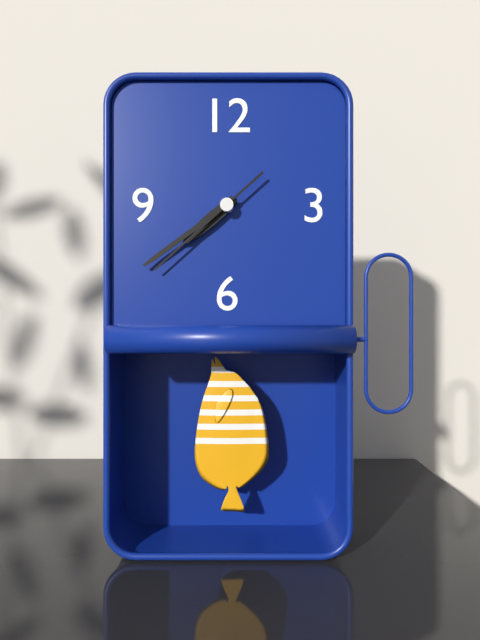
7:39:38
